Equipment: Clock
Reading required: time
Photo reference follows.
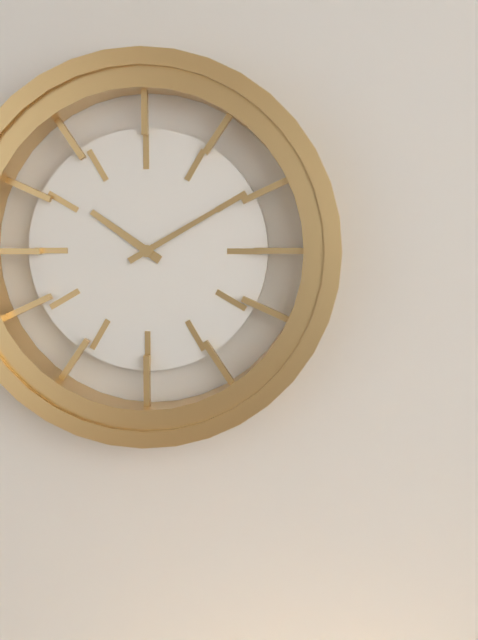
10:10
